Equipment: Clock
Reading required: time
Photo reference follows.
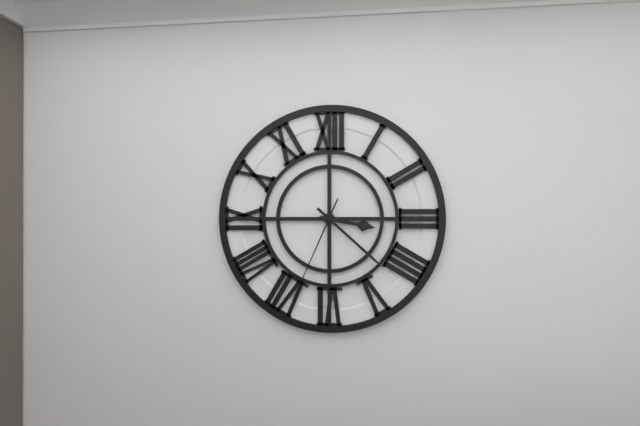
3:22:34
